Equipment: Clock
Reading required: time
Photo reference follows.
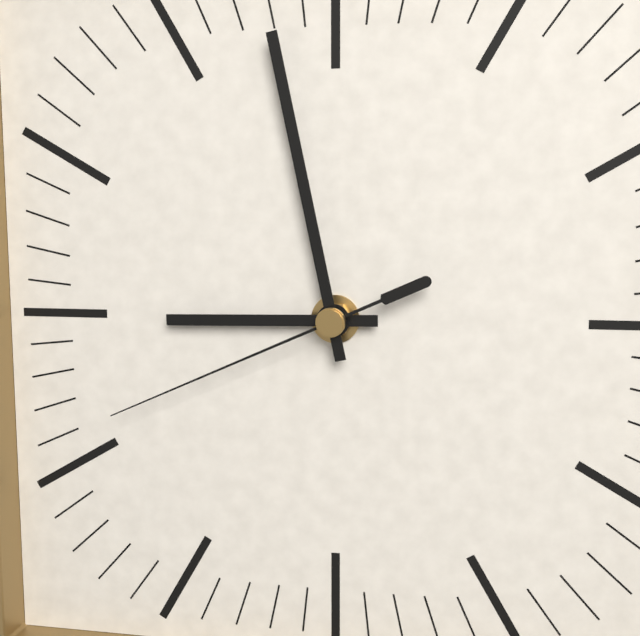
8:58:41
